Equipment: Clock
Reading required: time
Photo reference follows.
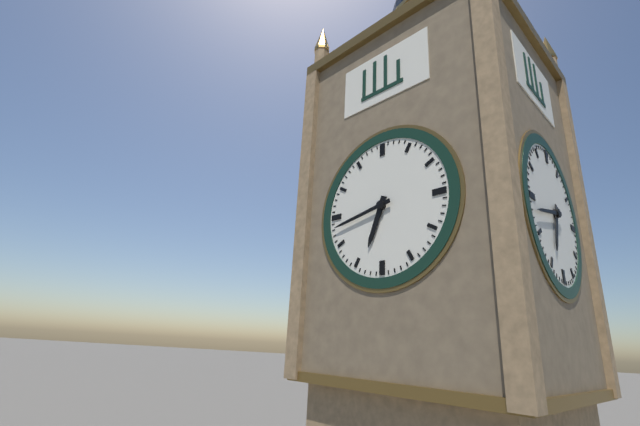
6:43
